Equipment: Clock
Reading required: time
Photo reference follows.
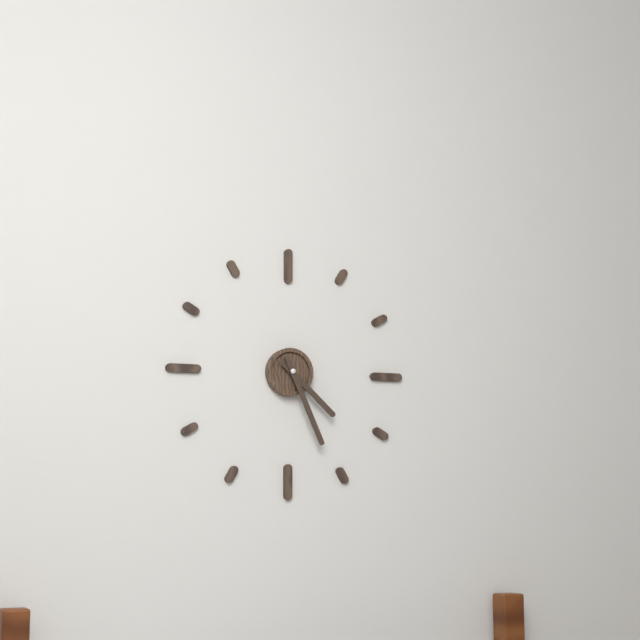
4:26
